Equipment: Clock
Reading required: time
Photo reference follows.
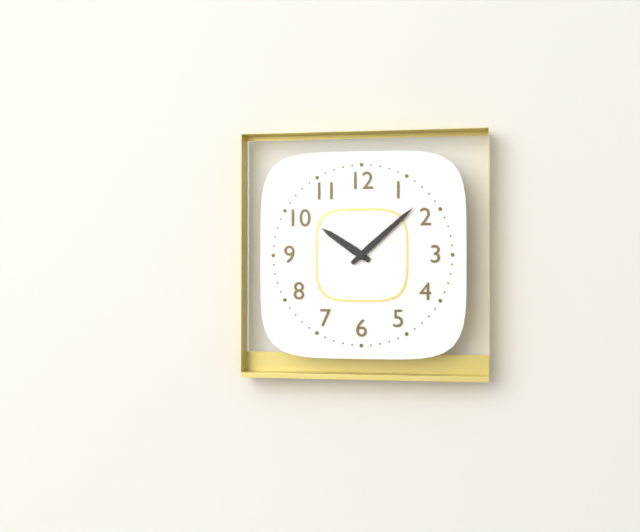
10:08
